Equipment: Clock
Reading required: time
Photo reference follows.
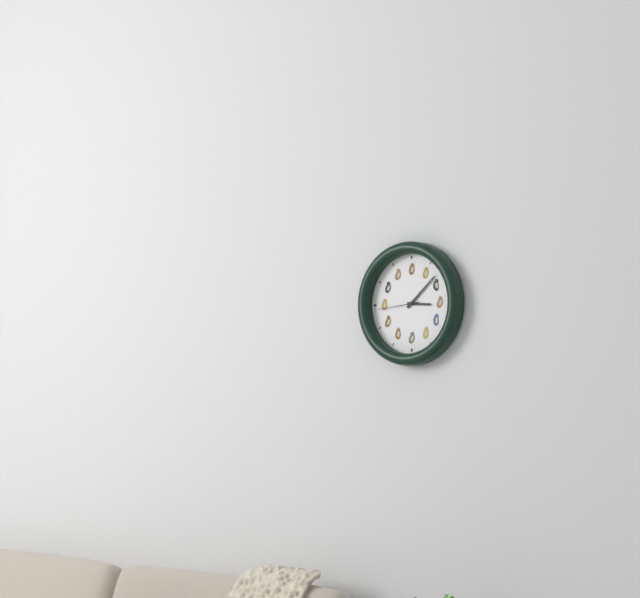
3:08
